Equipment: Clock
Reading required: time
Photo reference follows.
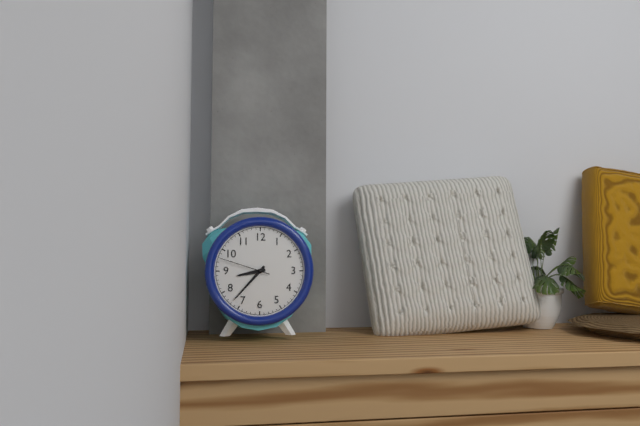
8:37:48
